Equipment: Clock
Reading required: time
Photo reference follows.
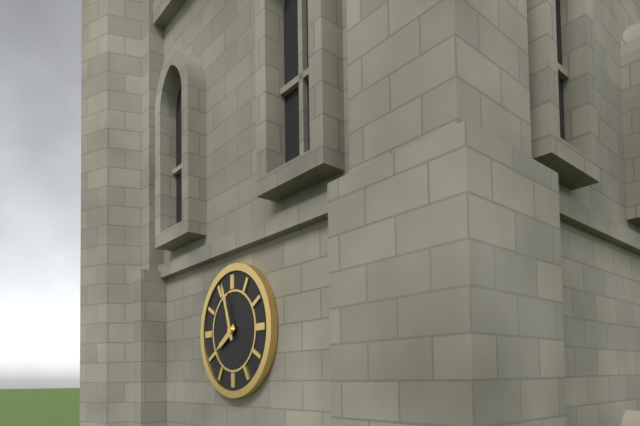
7:57
